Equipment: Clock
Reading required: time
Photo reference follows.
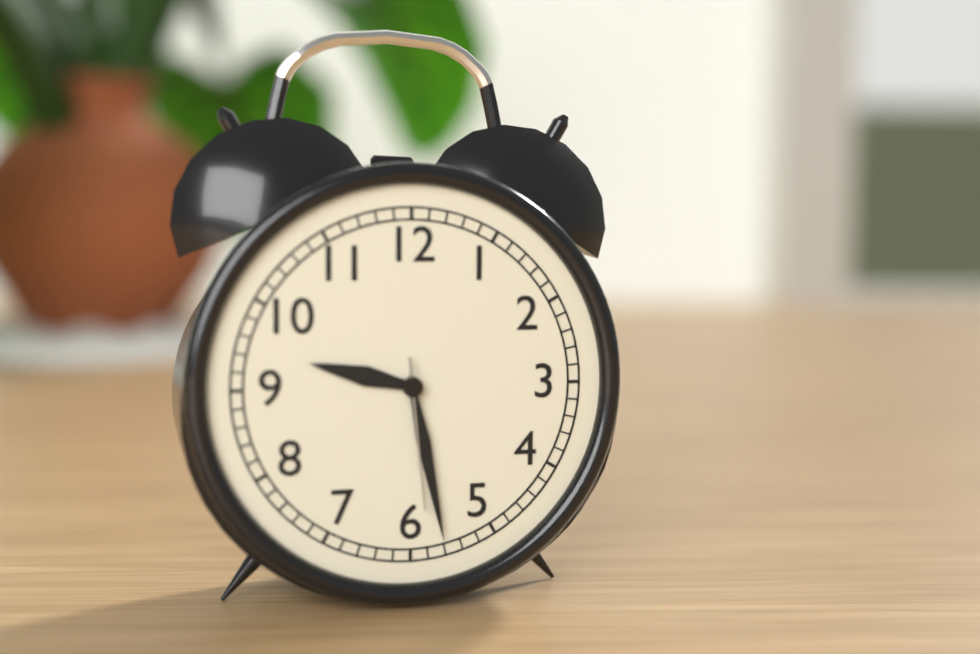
9:28:29
